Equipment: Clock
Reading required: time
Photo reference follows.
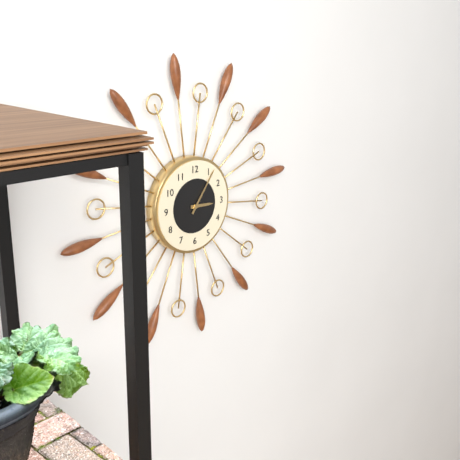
3:06
